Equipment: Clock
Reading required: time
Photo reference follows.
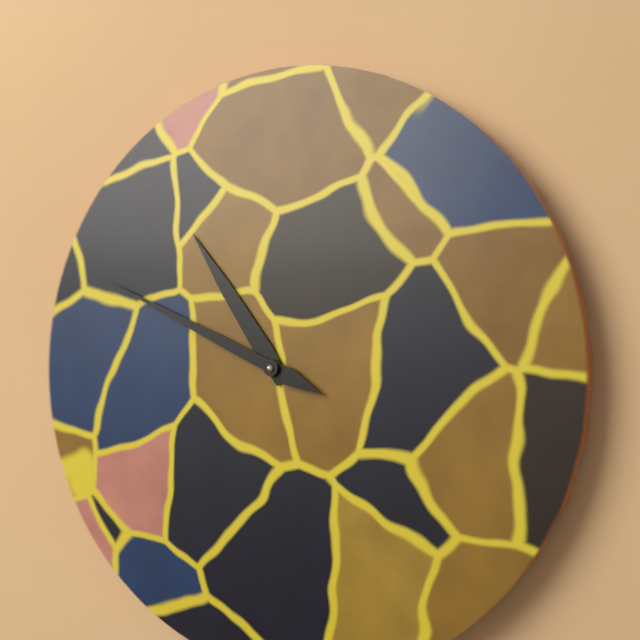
10:49
